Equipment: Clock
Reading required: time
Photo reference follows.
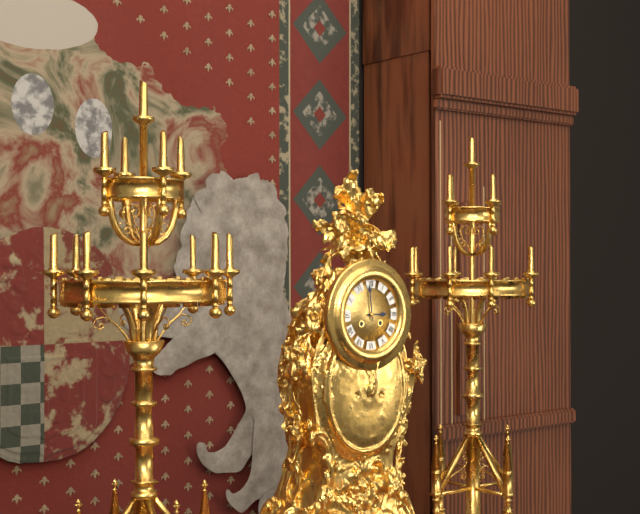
2:59
